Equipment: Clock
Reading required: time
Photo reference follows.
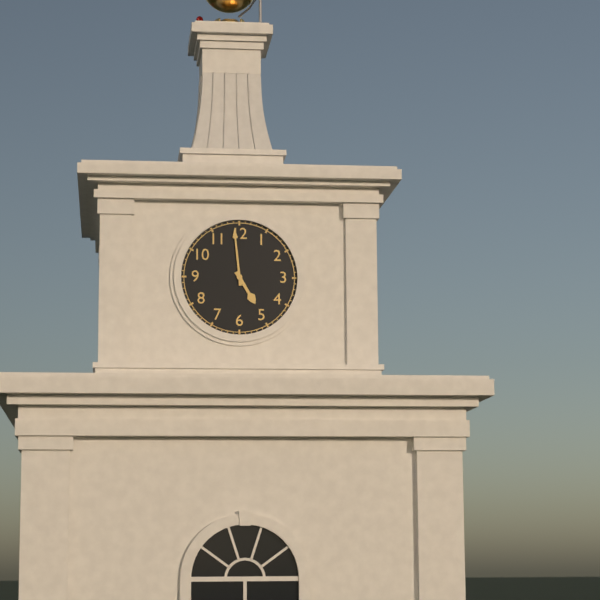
4:59
